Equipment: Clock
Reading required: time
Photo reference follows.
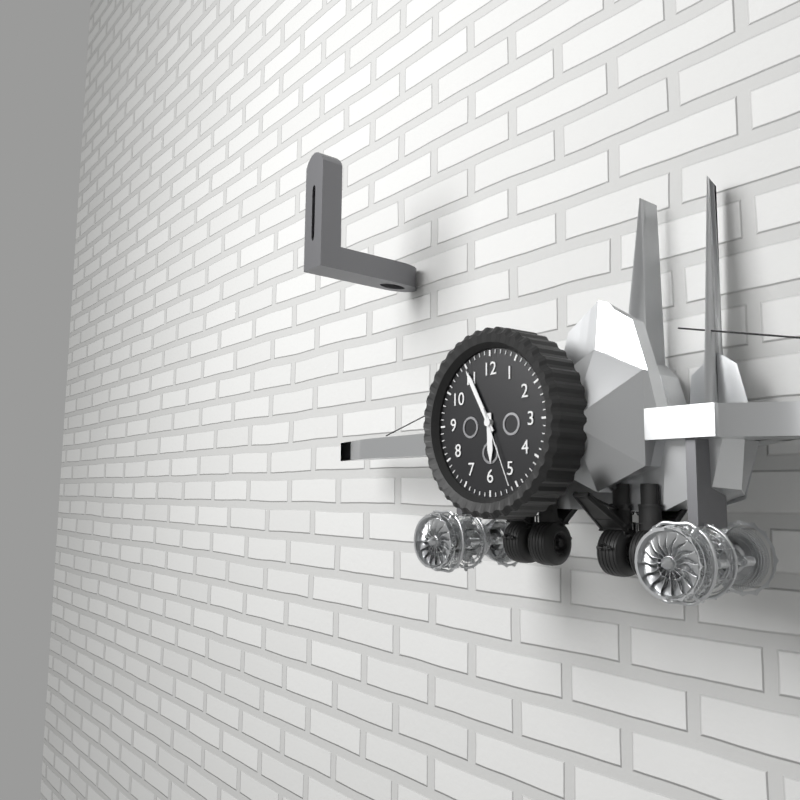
5:55:26
